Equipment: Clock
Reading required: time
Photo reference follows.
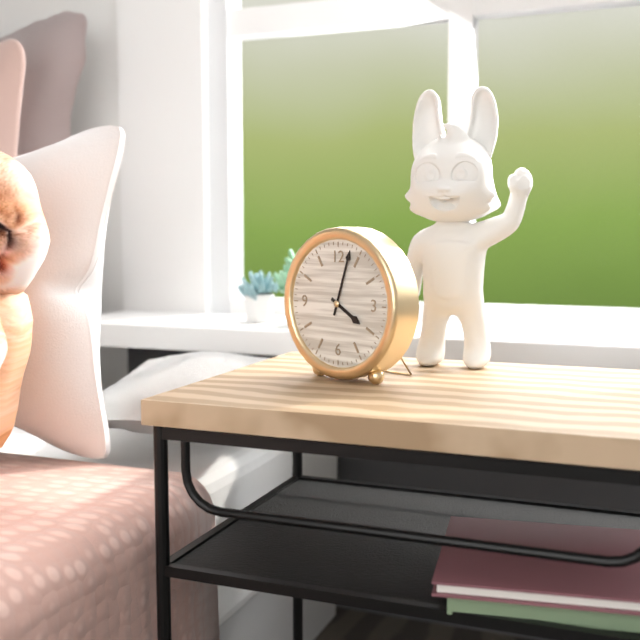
4:03
